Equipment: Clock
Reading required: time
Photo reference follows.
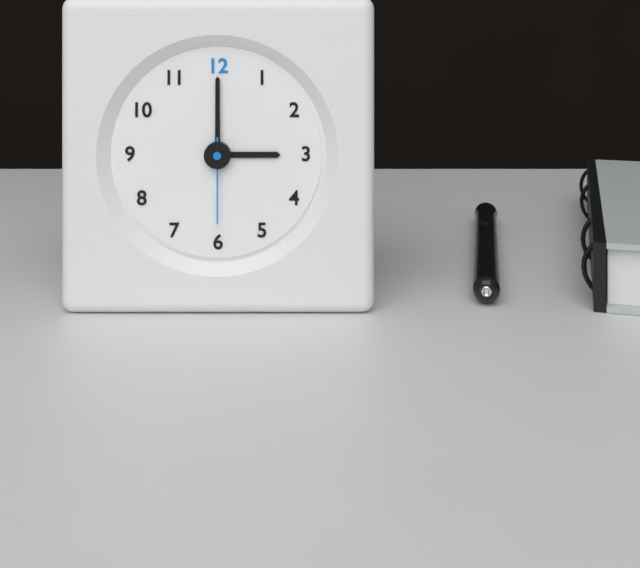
3:00:30
